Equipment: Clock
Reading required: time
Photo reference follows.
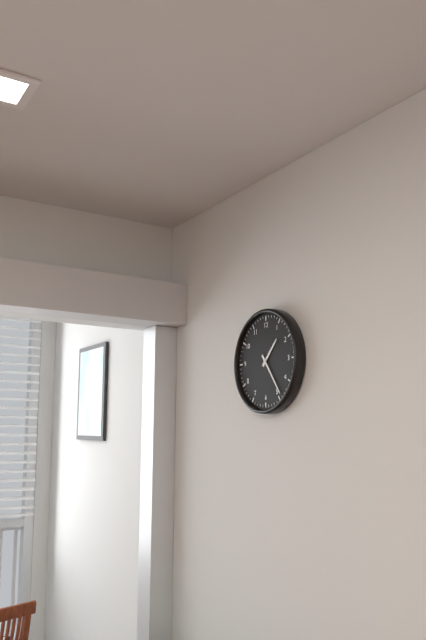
1:24
